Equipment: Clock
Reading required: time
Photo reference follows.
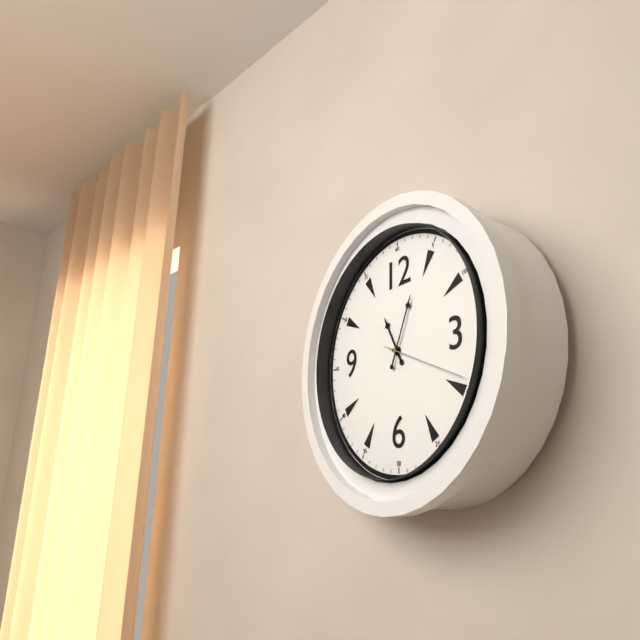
11:04:19
